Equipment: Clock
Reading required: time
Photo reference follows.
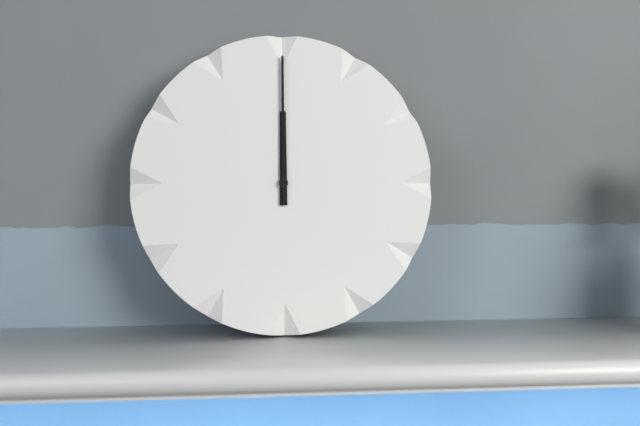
12:00
